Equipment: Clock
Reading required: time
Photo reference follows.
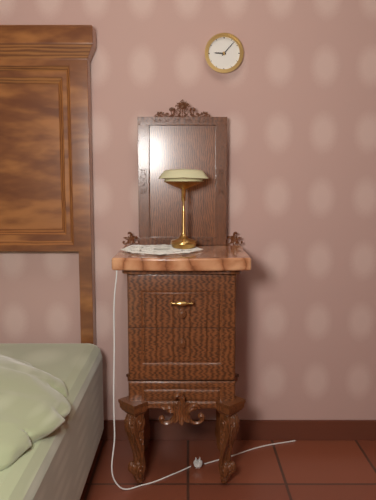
9:07
